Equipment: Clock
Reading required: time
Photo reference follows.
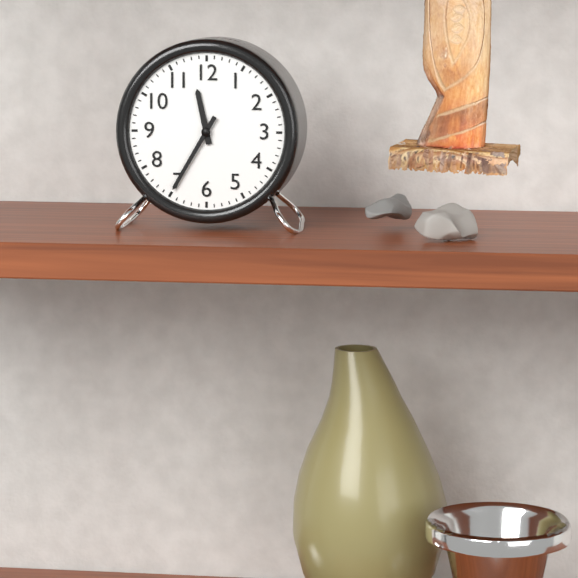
11:35
